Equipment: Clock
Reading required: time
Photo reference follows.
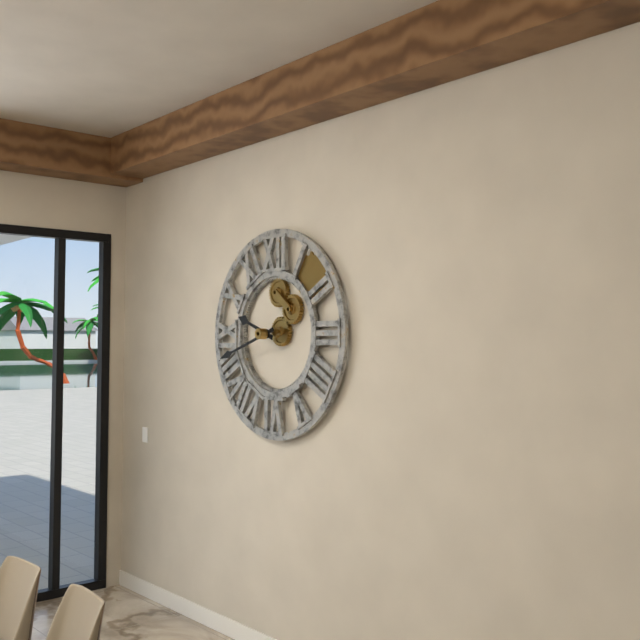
9:42
